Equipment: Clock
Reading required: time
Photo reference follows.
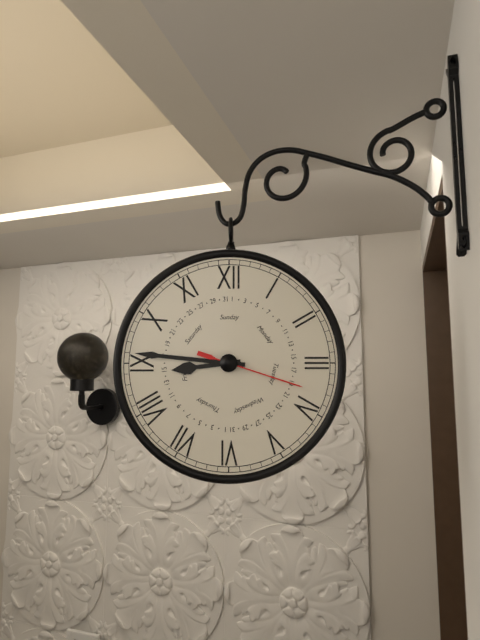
8:46:18
